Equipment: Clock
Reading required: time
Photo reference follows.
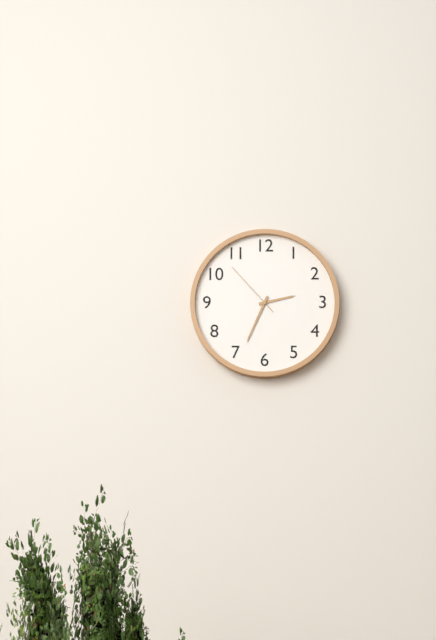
2:34:53
